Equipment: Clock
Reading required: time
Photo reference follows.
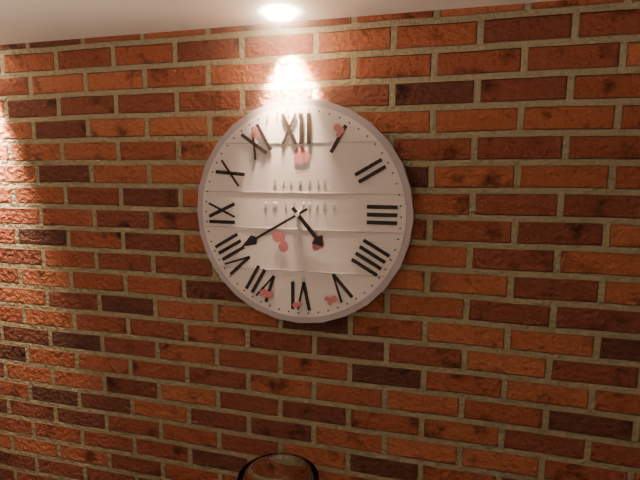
4:40
